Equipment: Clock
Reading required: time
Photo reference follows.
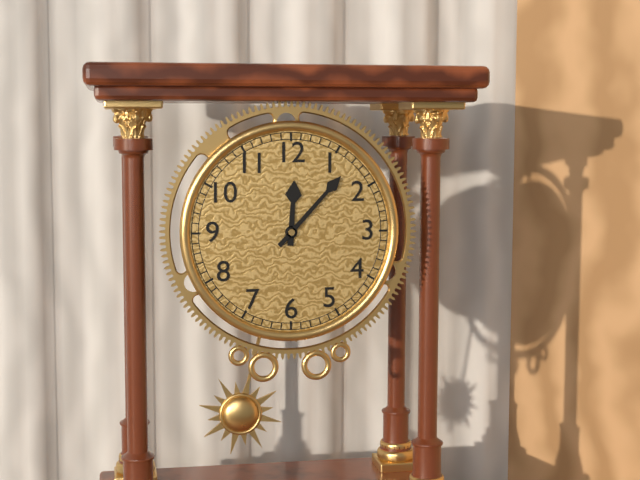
12:07
